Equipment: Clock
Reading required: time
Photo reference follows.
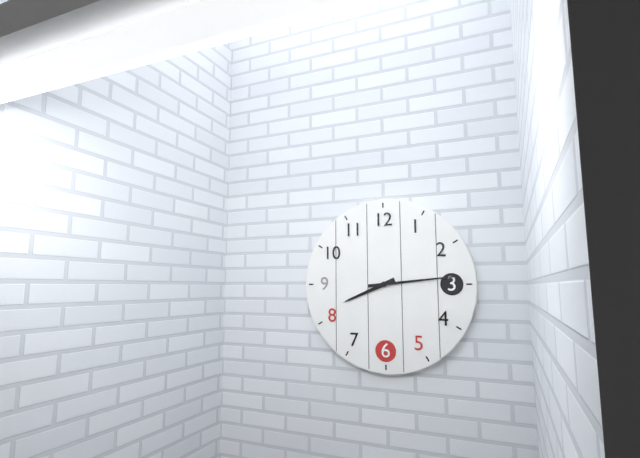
8:14
